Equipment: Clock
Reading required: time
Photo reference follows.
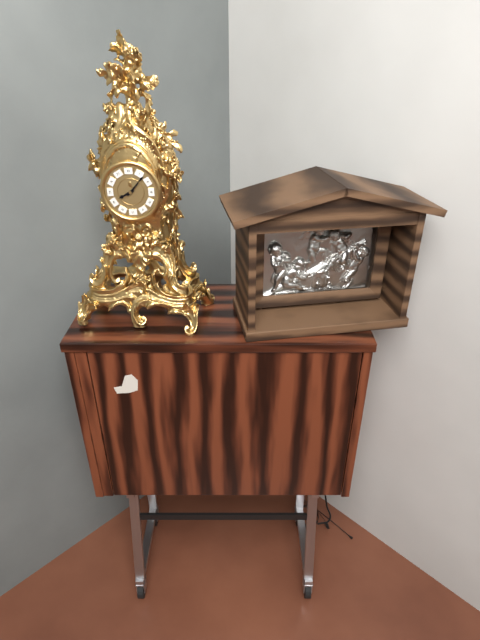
8:07
